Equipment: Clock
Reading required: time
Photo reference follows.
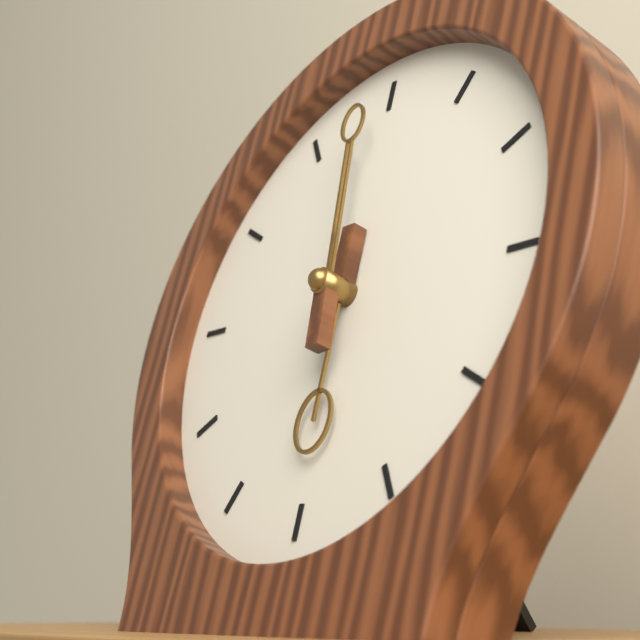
5:59
